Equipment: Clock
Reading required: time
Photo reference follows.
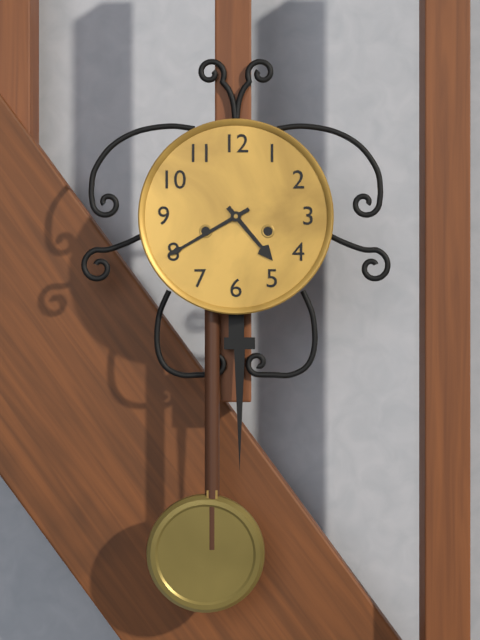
4:40
